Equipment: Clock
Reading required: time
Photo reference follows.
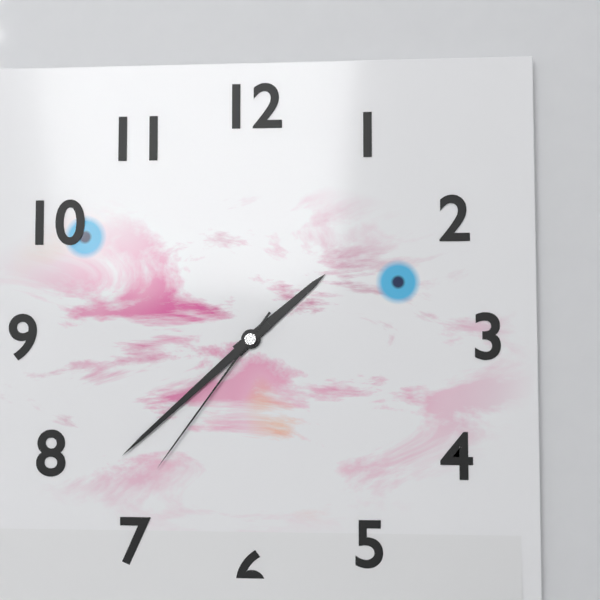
1:38:36
